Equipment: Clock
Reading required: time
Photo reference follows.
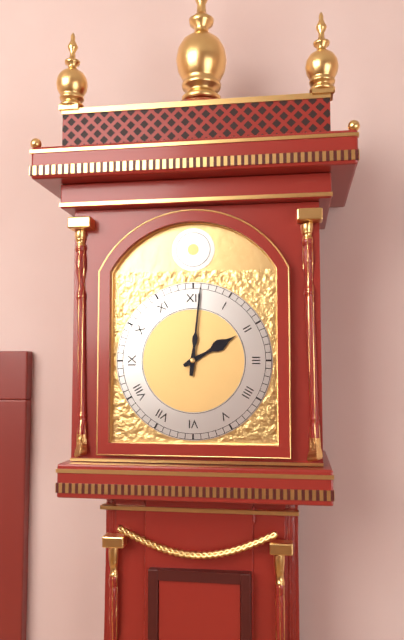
2:01
